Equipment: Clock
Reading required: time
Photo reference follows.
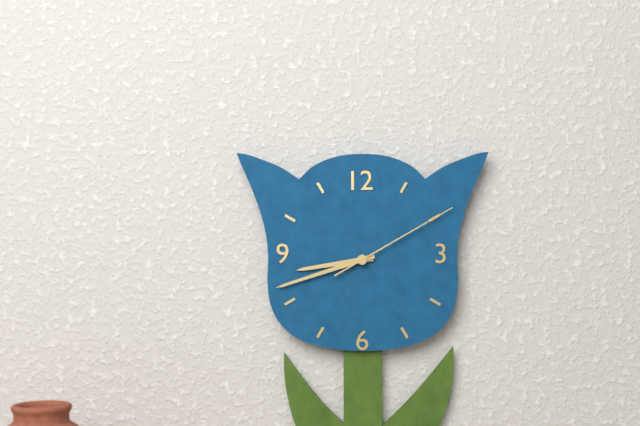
8:42:10
